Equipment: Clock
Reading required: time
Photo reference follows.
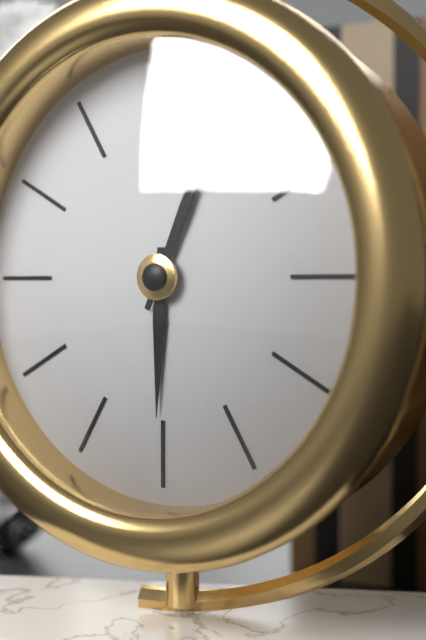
6:04
